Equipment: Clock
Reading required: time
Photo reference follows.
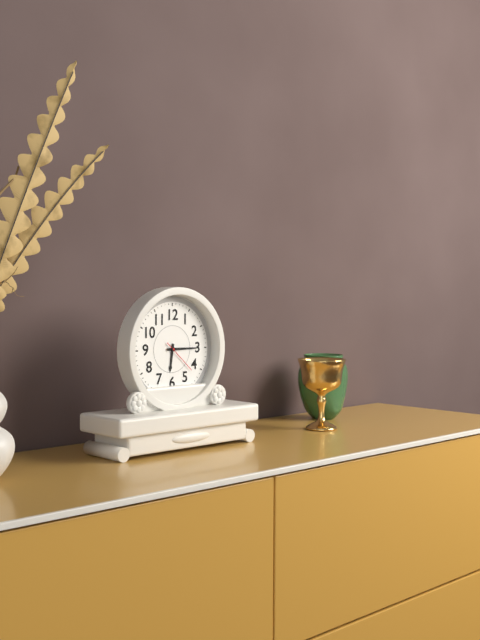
6:15
